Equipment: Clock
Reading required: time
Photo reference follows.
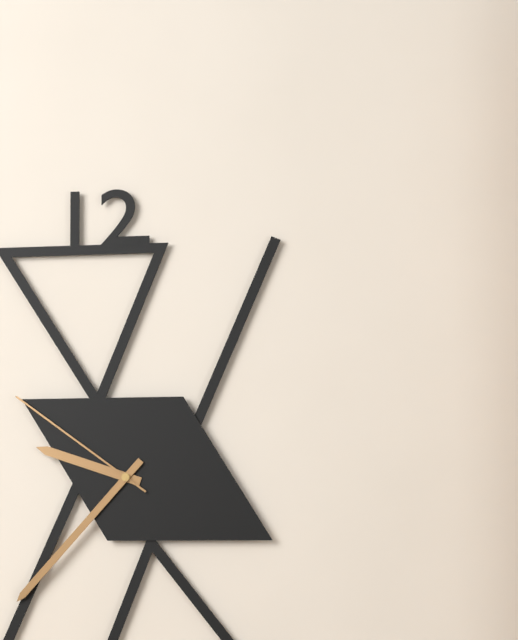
9:37:51
